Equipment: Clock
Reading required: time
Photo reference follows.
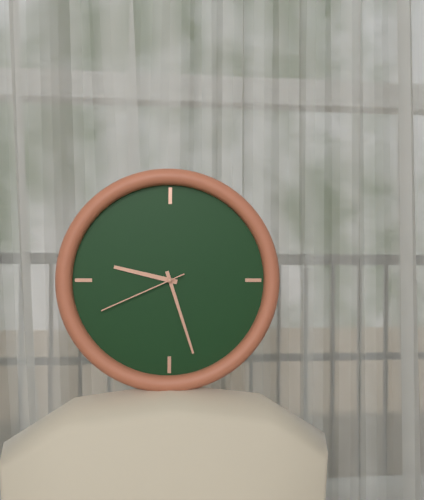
9:27:41
